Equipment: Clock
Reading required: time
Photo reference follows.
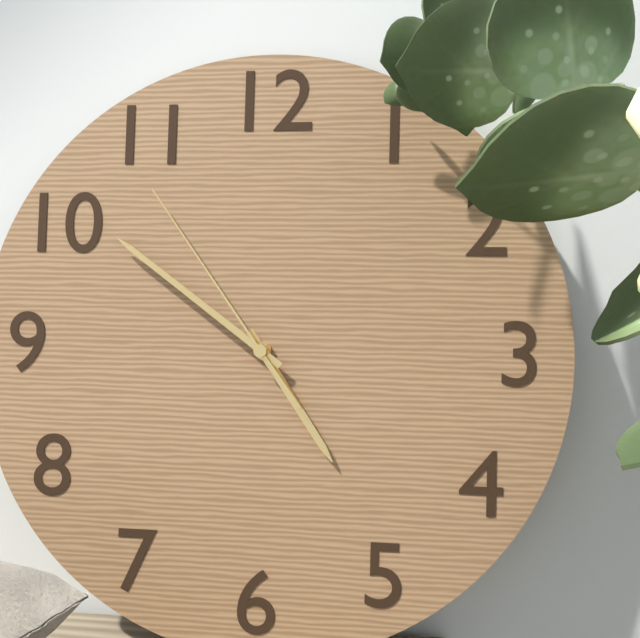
4:51:54
